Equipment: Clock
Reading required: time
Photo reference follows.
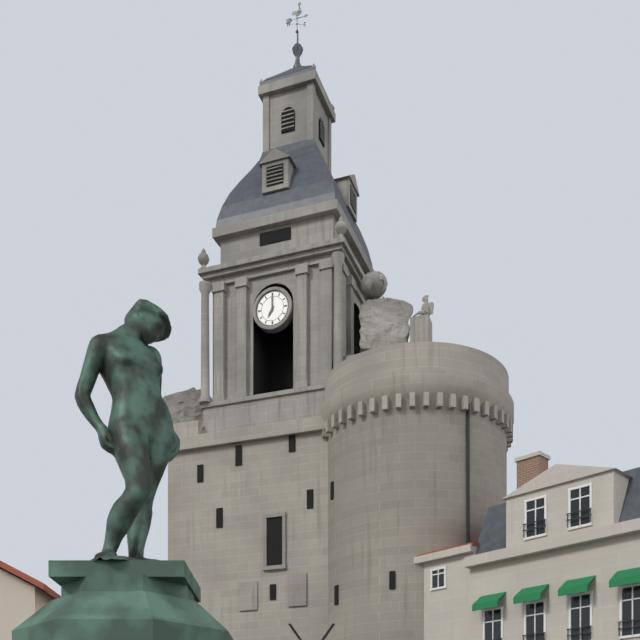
7:00
